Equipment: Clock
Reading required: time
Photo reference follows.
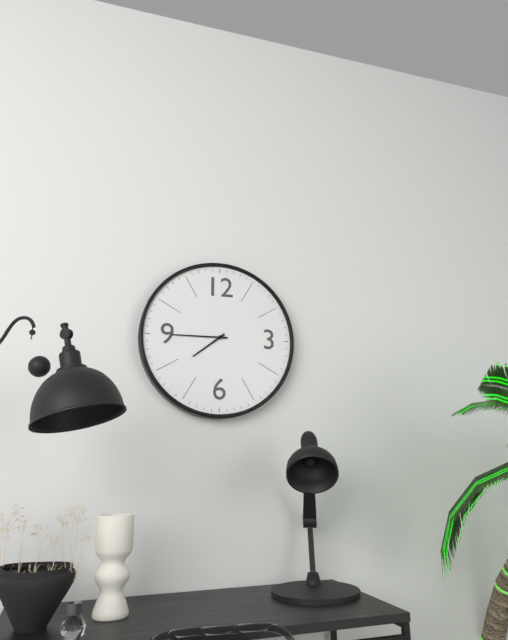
7:45
